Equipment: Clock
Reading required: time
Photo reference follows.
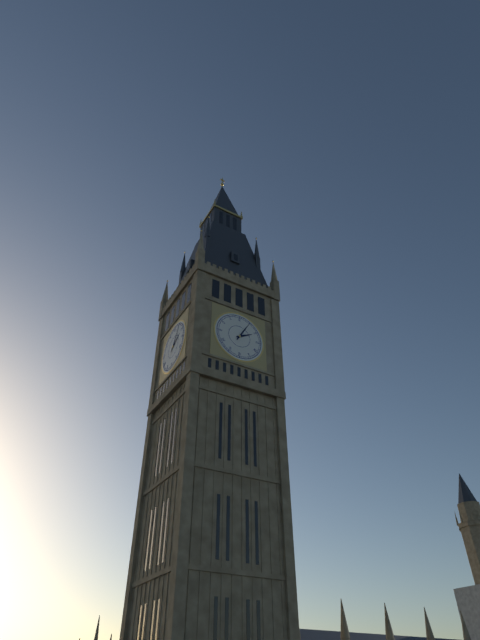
2:05
